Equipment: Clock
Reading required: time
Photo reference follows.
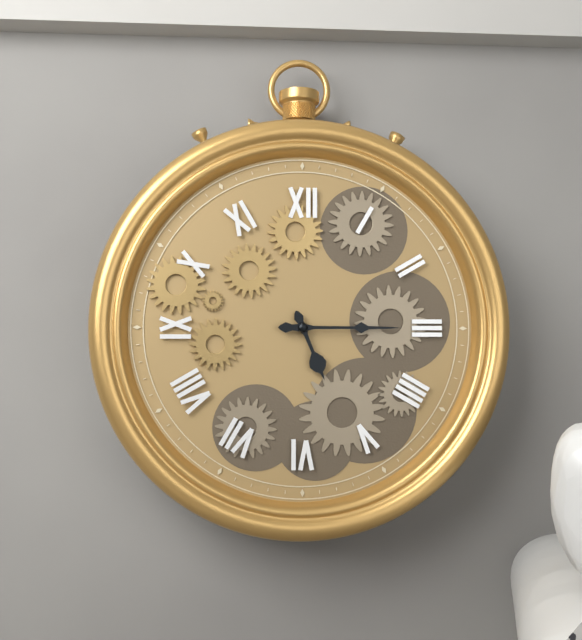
5:15
